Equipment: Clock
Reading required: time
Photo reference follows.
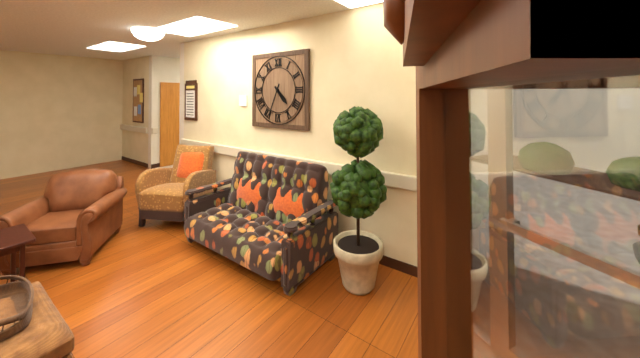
4:34
